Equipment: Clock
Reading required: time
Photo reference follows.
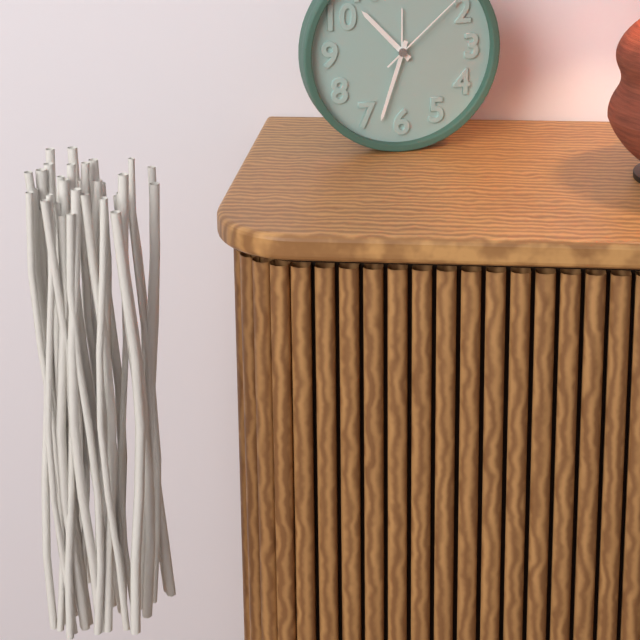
10:33:08
